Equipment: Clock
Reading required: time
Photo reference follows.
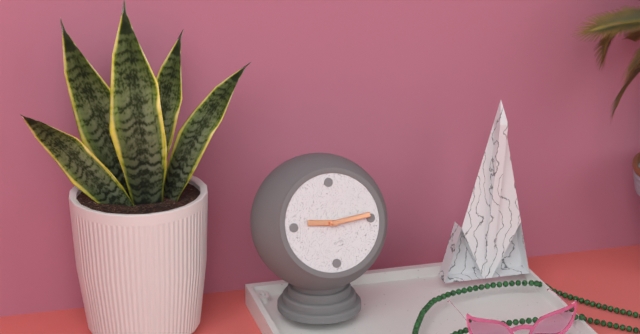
9:14
